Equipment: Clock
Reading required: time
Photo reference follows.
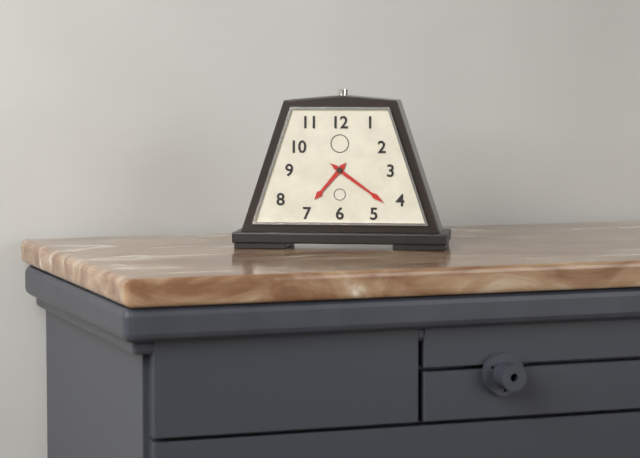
7:21
